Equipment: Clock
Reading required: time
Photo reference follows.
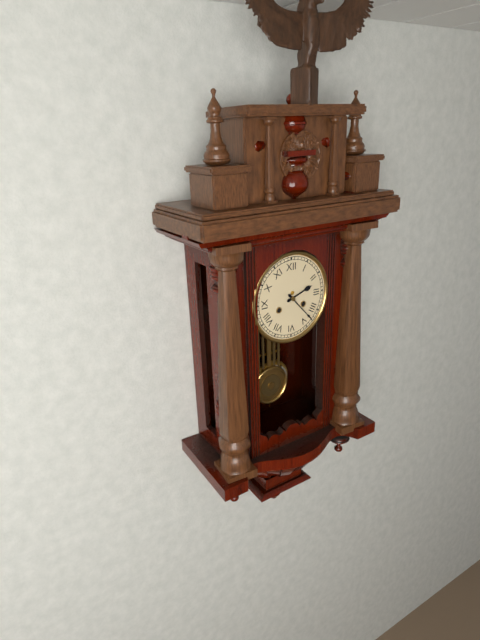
2:23
